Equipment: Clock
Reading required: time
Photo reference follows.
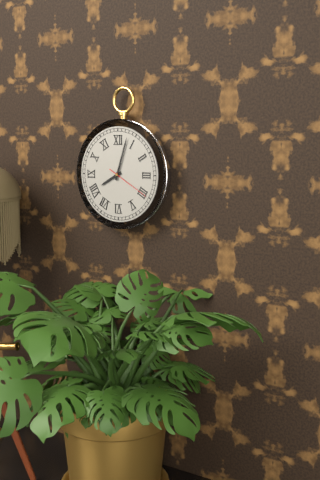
8:03
